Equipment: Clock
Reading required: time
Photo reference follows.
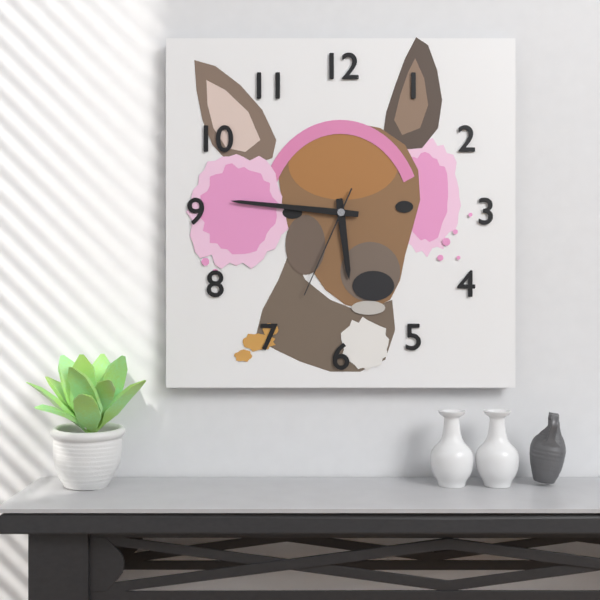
5:46:34
